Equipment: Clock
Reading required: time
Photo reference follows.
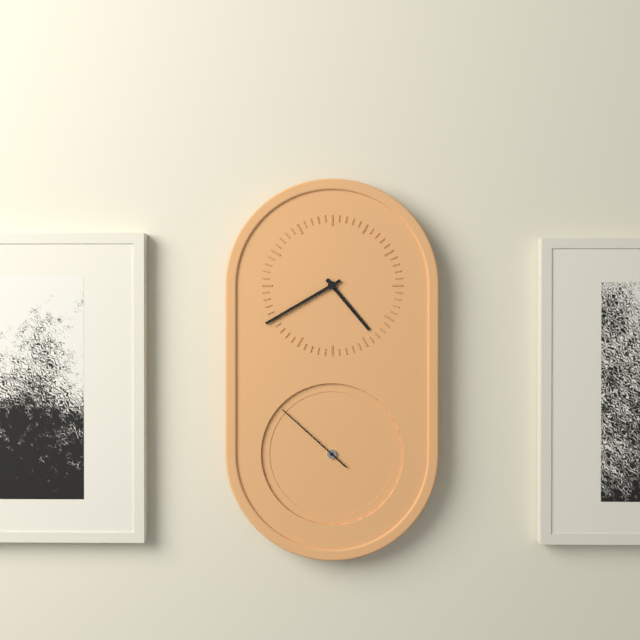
4:40:52
